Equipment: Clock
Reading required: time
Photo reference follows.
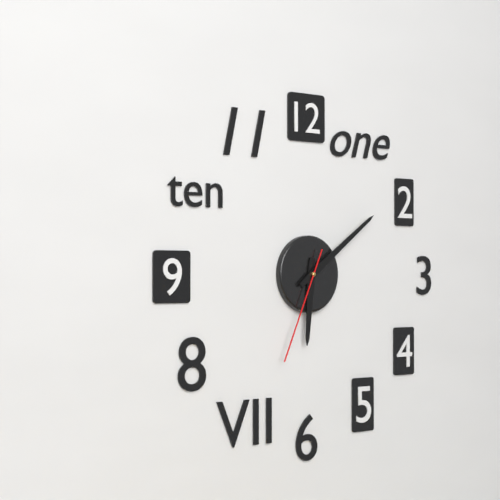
6:09:34
